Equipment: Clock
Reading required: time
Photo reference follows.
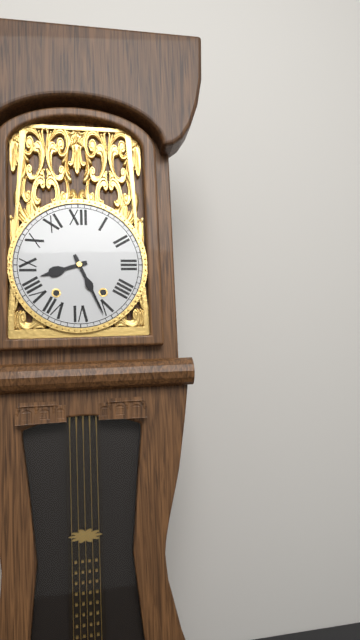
8:26
